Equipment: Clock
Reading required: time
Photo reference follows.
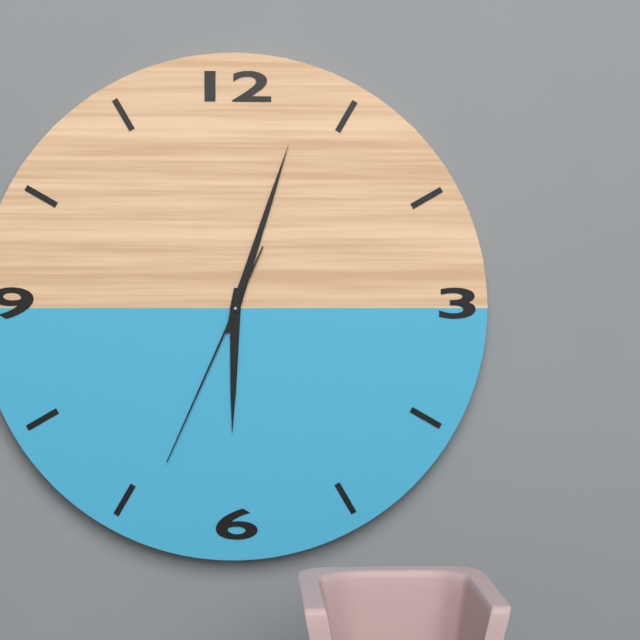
6:03:34
